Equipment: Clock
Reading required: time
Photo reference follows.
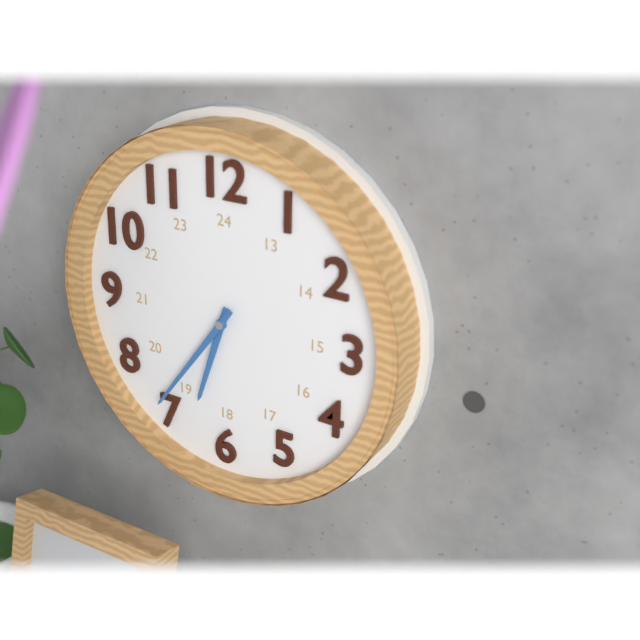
6:36
